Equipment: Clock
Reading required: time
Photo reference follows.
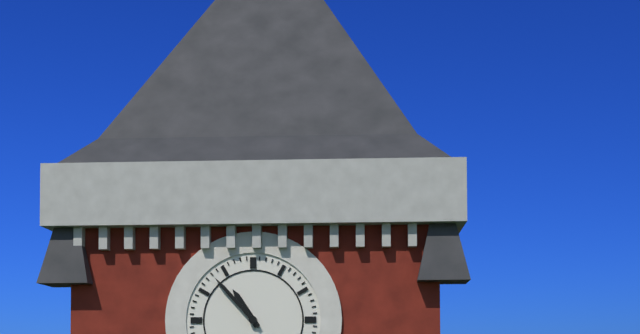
10:53
